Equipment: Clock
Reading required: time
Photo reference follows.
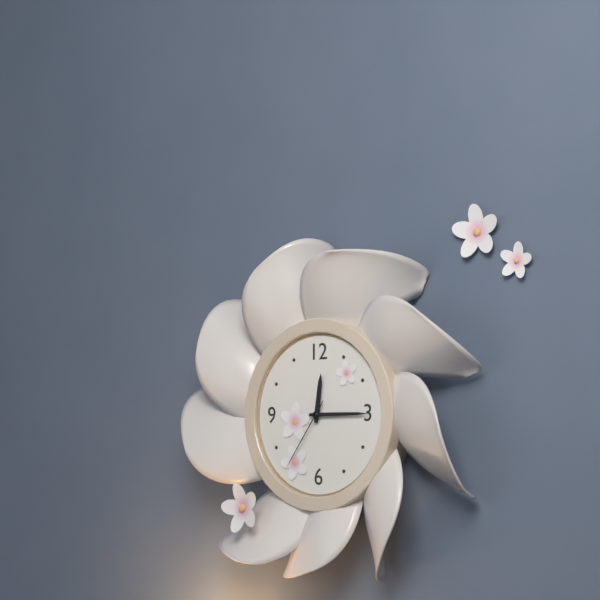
12:15:36
